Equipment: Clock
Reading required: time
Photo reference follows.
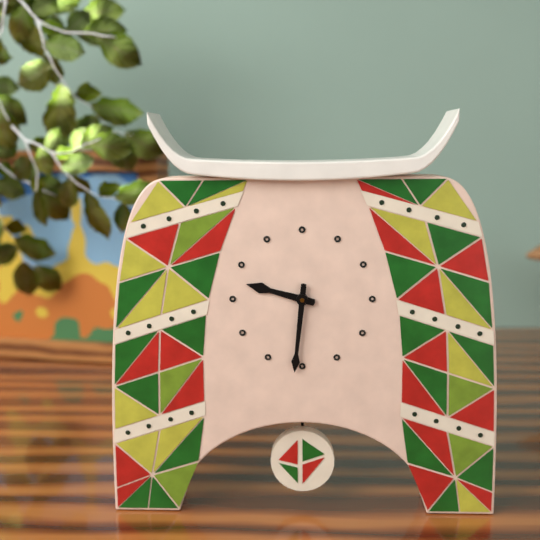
9:31
